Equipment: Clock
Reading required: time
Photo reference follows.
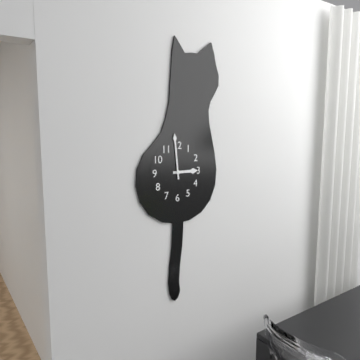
2:59
